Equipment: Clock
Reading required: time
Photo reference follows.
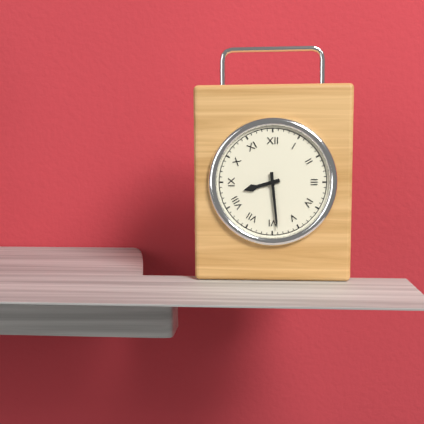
8:29
